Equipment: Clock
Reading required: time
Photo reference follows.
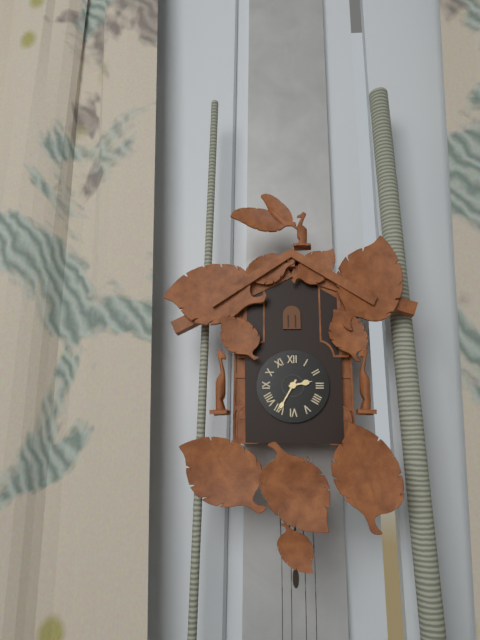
2:35
